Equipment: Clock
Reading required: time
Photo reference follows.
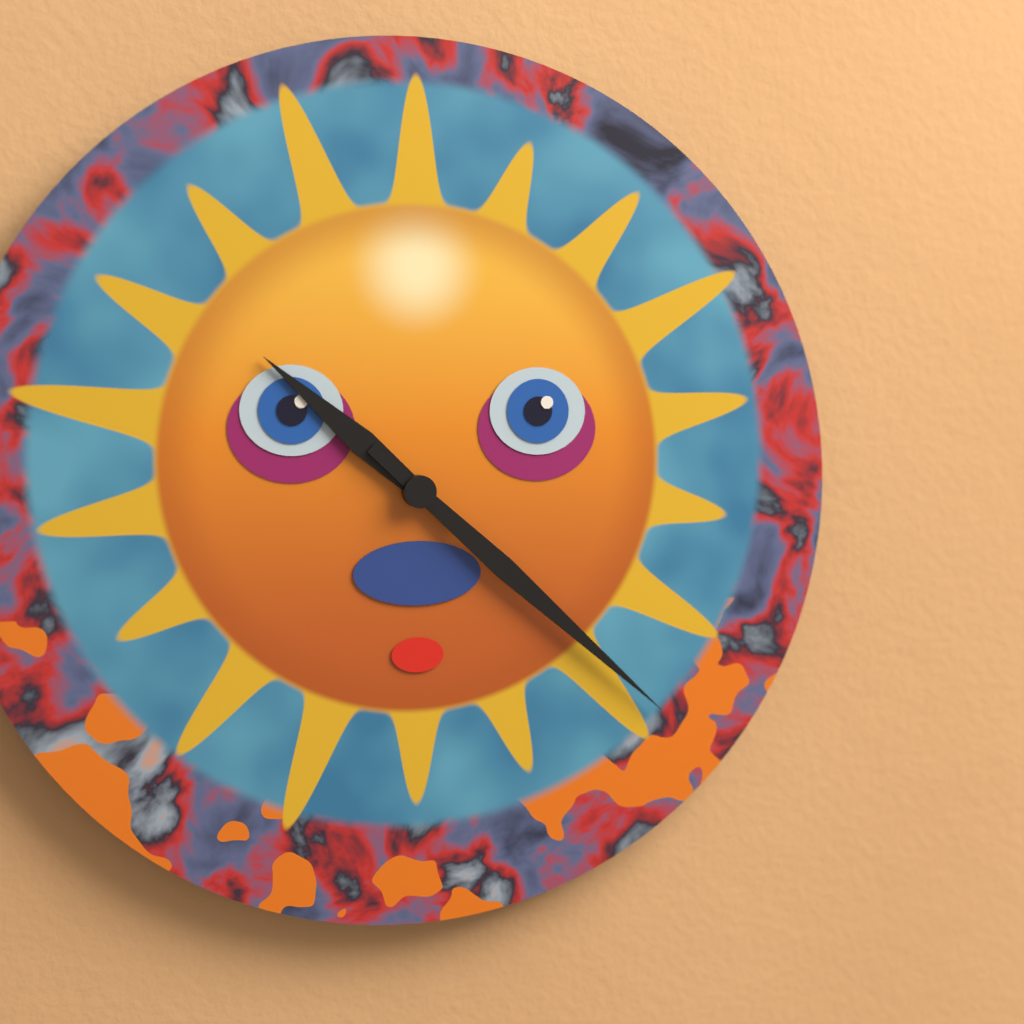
10:22
